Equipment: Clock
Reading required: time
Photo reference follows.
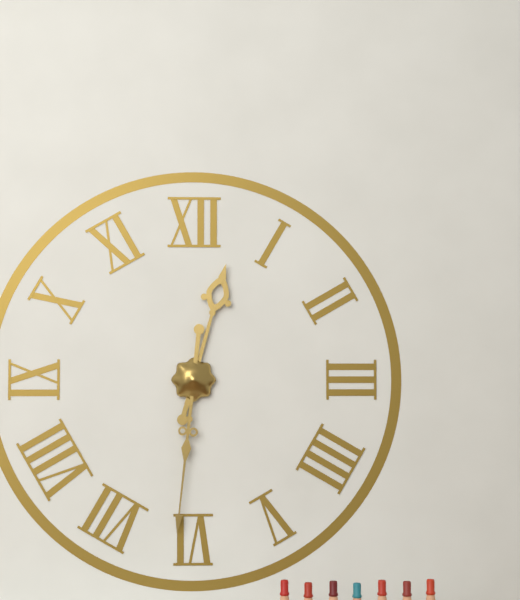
12:31
